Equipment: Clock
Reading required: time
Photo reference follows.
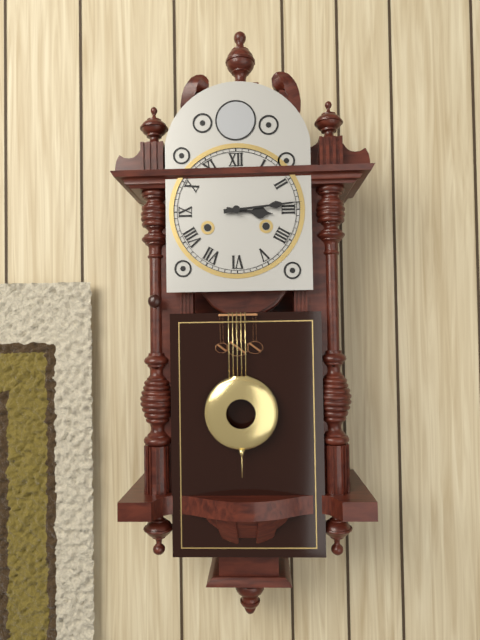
3:14
